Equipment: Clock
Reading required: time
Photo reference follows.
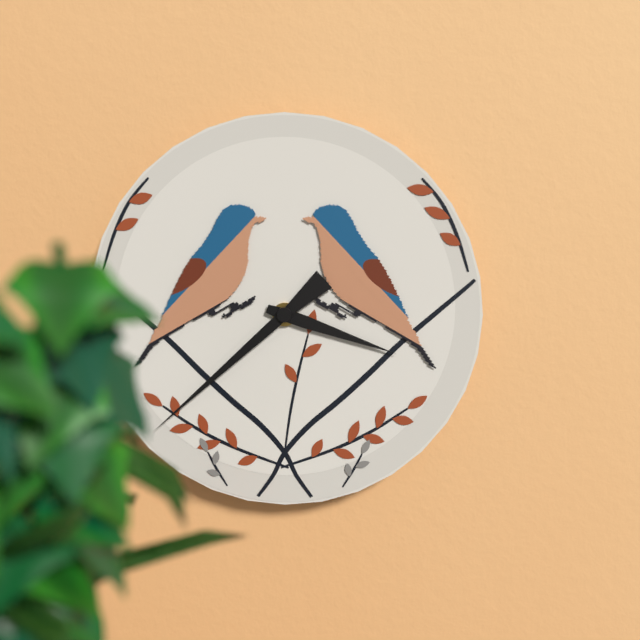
3:38
